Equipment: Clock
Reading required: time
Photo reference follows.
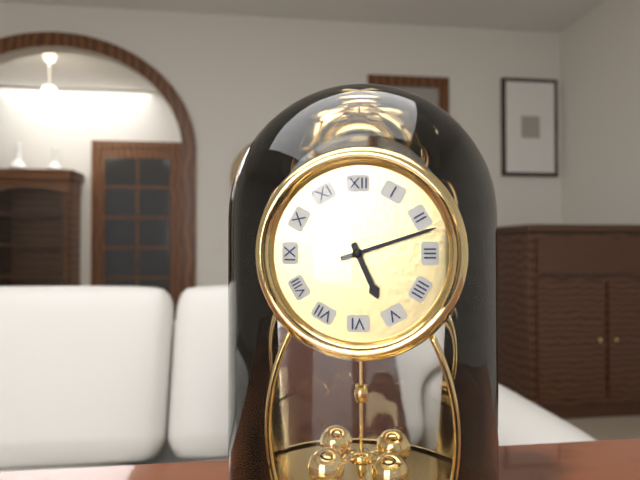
5:12
